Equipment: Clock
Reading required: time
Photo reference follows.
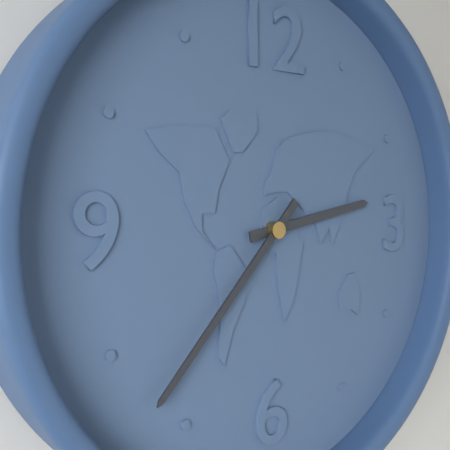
2:37
